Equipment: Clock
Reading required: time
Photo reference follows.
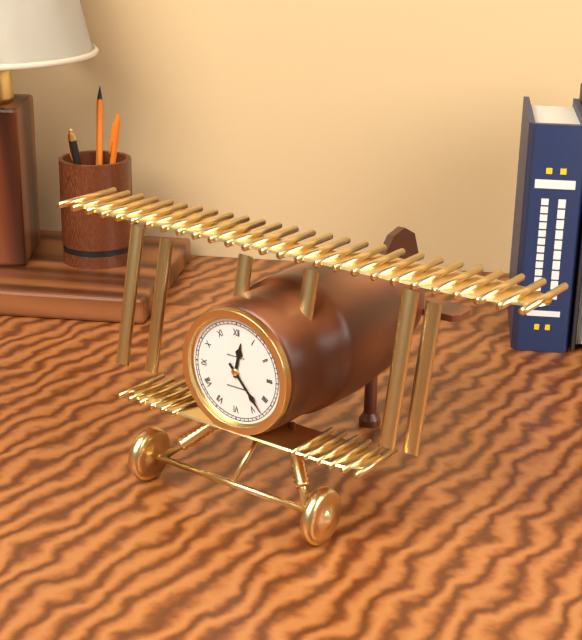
12:23
